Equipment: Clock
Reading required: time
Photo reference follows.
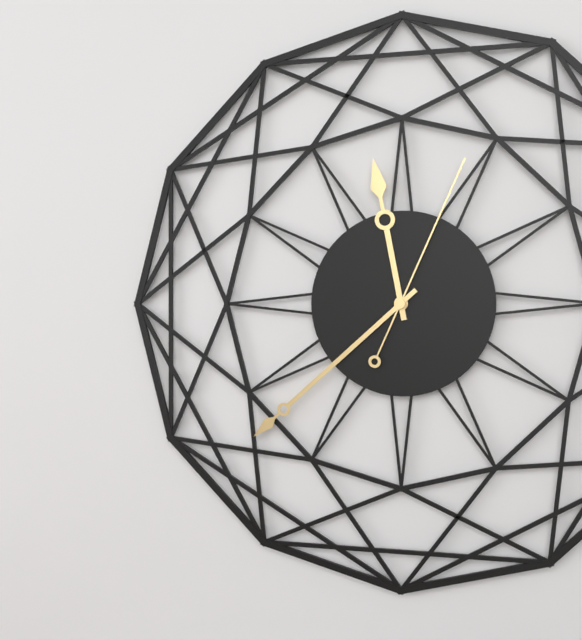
11:38:04
